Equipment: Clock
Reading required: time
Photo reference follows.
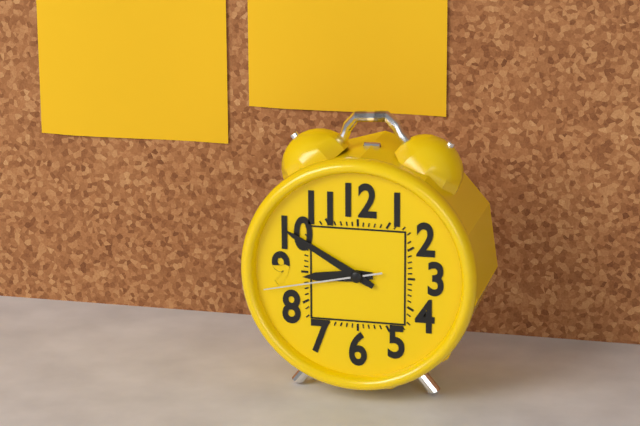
8:50:43
